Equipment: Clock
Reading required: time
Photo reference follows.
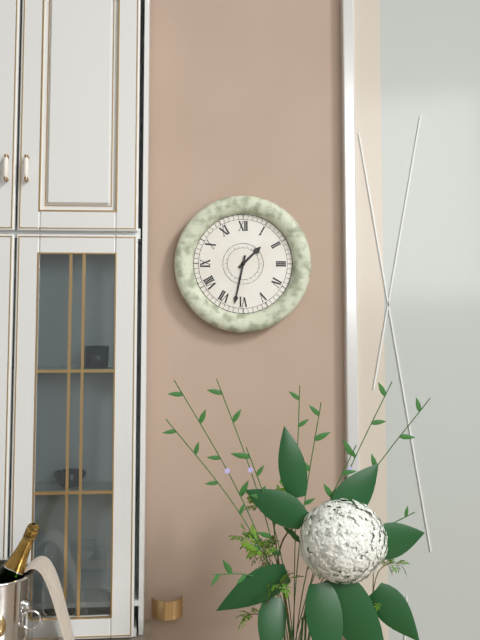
1:32
